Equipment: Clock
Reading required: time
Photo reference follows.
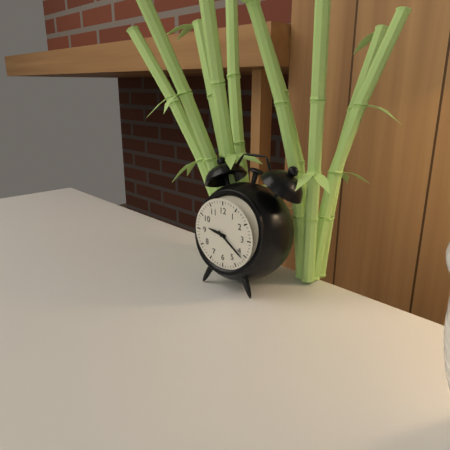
9:21
